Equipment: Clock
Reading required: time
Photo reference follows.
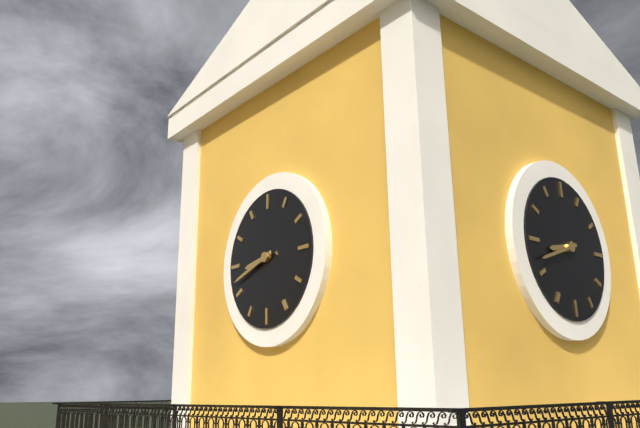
8:42
